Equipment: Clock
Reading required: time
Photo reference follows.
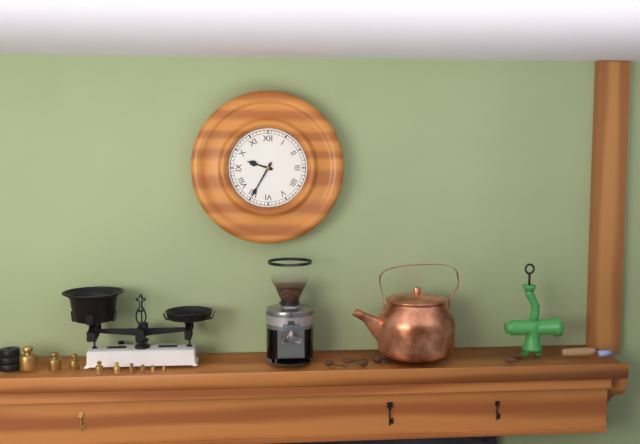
9:35
